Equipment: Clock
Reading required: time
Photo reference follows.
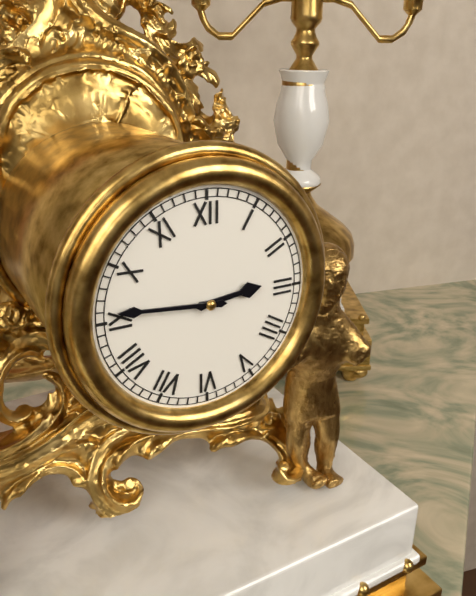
2:46
